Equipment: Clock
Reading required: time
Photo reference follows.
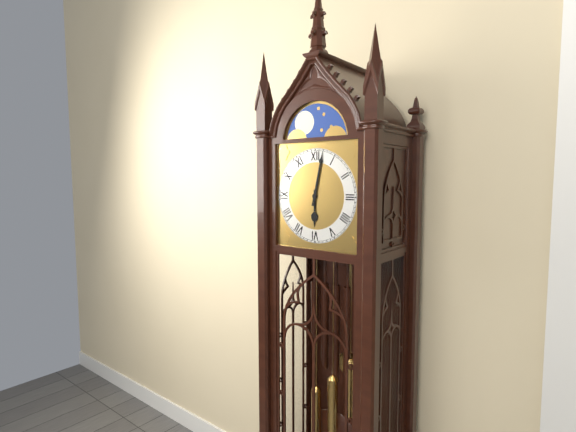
6:02
